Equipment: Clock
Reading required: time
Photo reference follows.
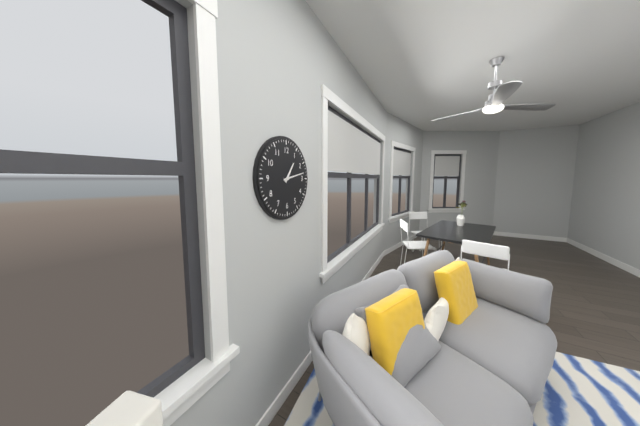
1:13
